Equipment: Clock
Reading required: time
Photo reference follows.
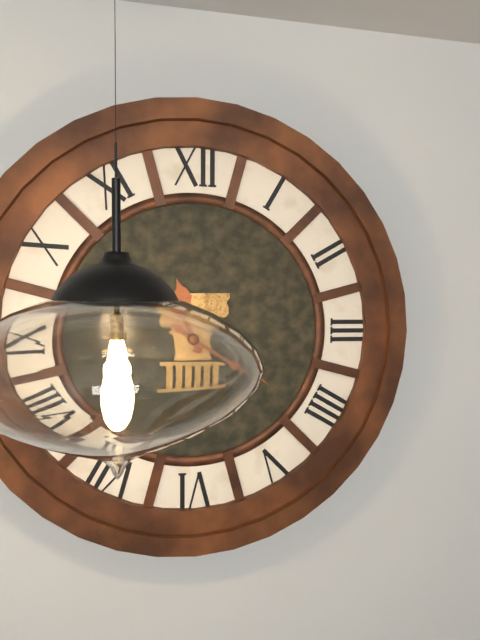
11:21
